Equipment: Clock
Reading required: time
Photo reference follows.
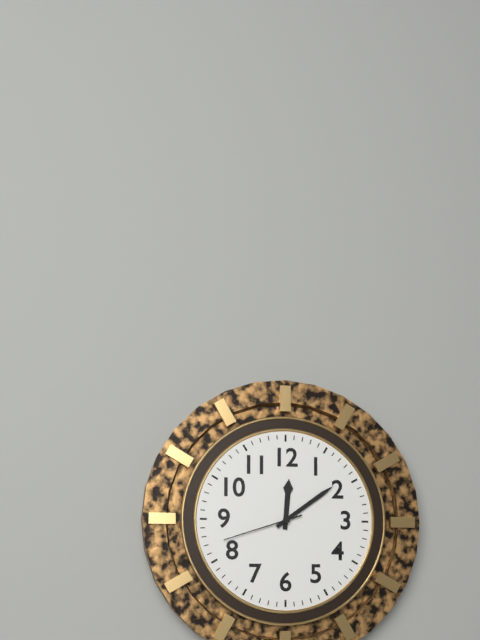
12:09:42
